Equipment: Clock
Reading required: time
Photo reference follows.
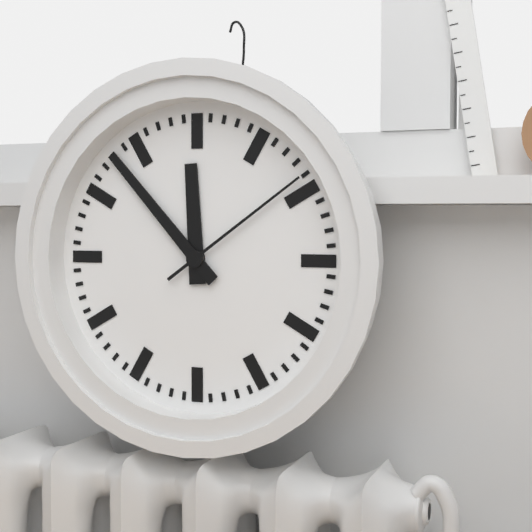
11:53:09
